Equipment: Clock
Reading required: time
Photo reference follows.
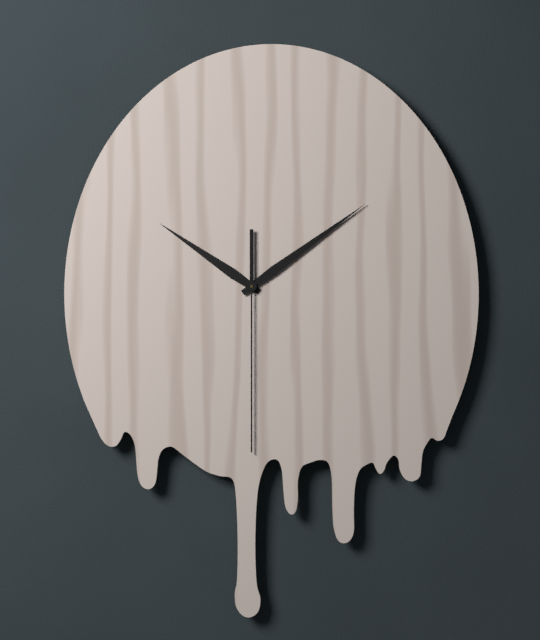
10:09:30
